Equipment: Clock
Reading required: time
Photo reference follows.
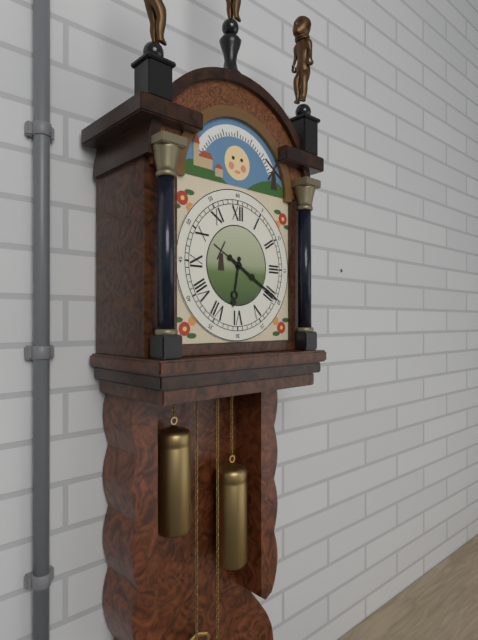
6:20
